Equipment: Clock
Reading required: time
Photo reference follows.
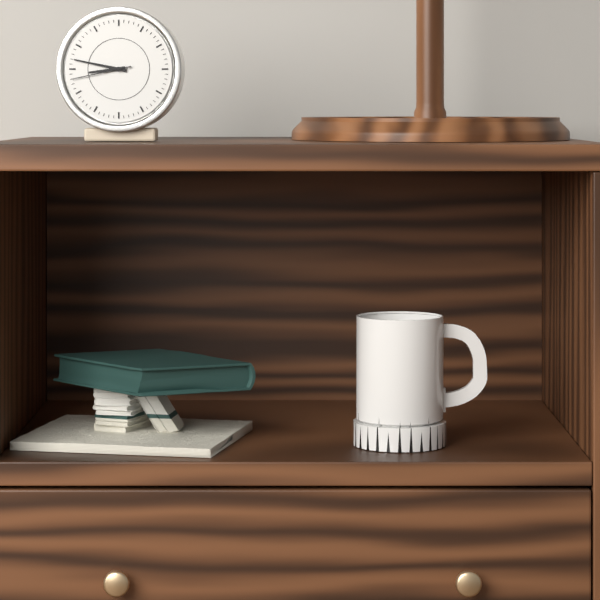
8:47:43
